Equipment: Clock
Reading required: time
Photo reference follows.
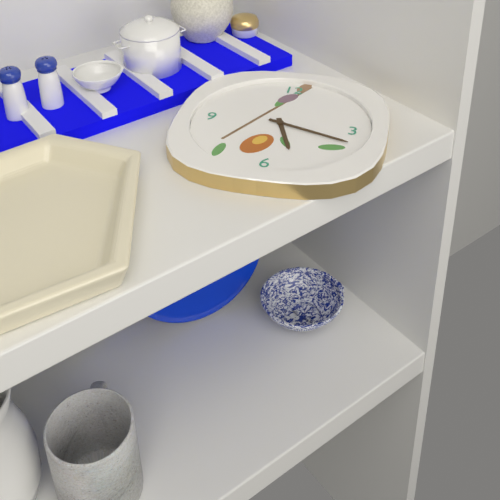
5:18
